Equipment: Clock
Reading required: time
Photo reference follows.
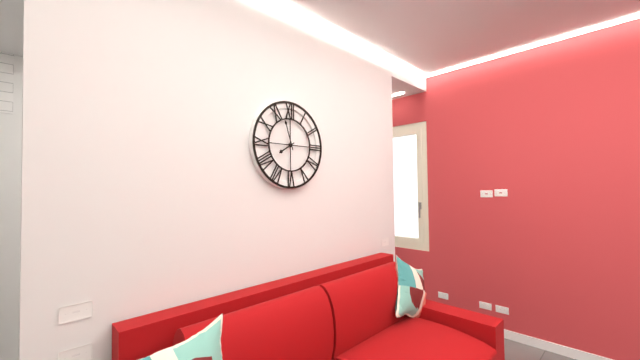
7:57
